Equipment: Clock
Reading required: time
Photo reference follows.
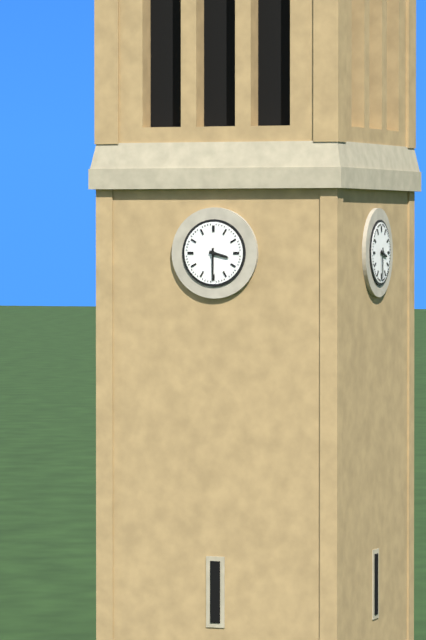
3:30
